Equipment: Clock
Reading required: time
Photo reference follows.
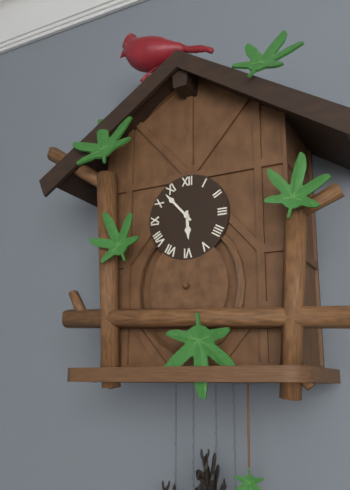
5:53
